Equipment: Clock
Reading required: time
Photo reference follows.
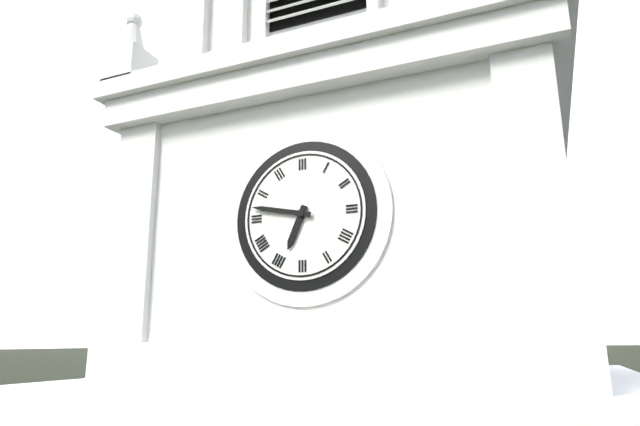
6:47
